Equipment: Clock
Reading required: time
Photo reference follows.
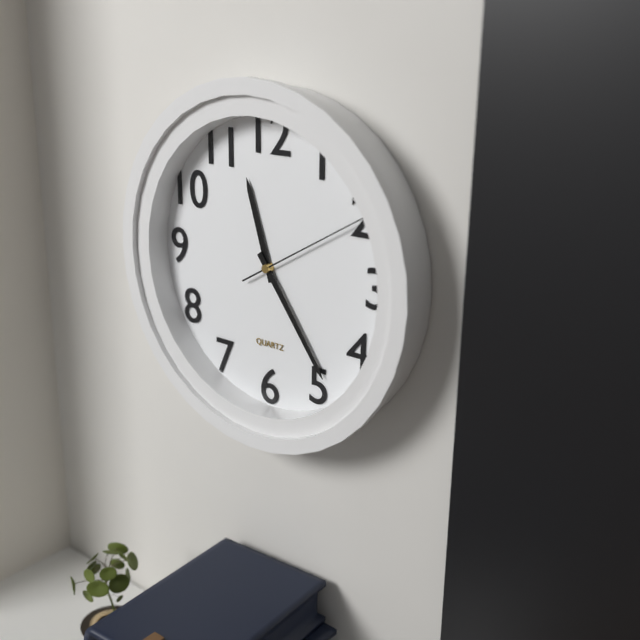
11:24:10
